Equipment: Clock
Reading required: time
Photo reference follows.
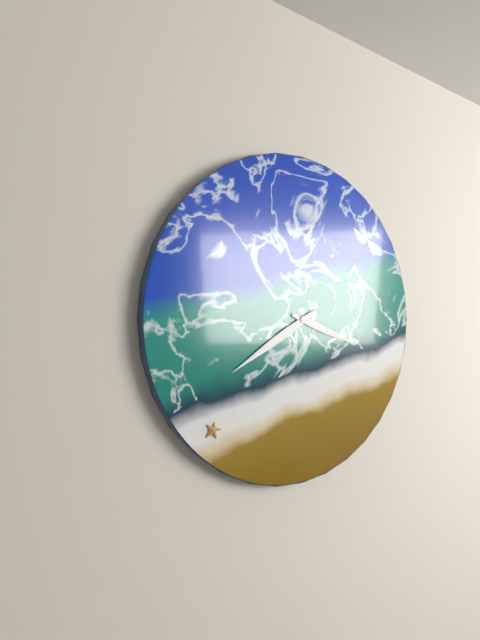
3:40
